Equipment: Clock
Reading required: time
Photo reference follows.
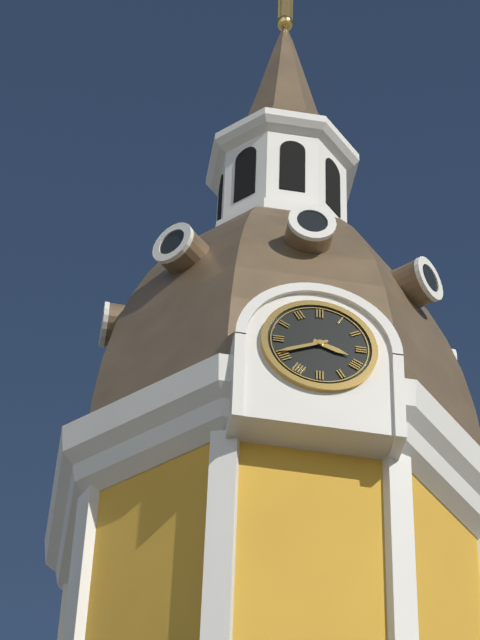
3:41
